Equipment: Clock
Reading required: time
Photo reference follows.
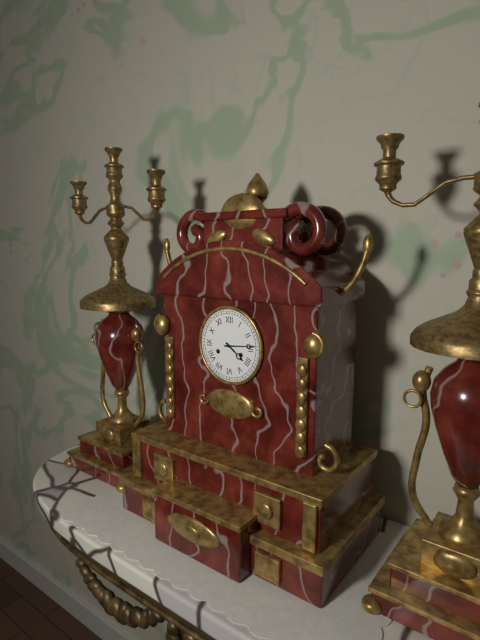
4:14
